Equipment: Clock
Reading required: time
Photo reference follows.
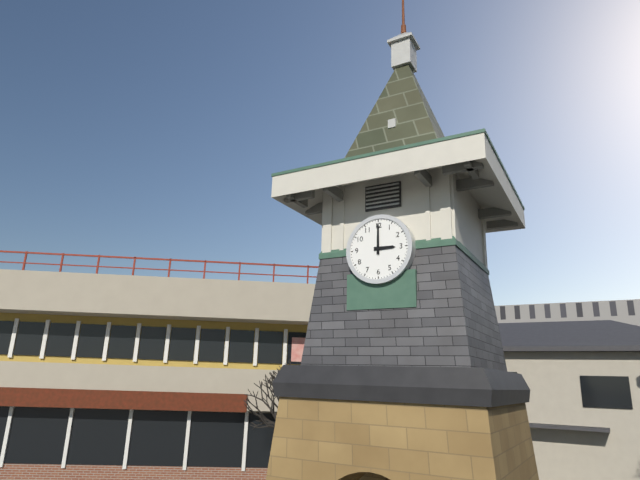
3:00
